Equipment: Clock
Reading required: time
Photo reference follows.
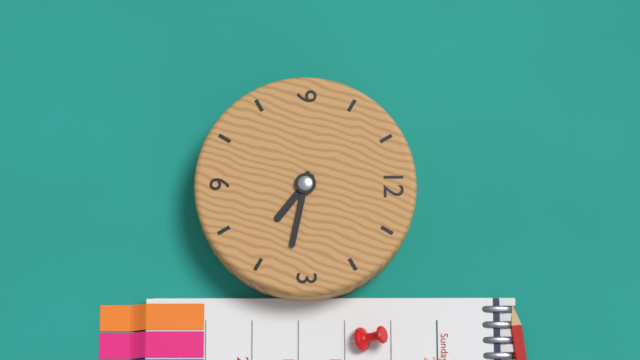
4:17
